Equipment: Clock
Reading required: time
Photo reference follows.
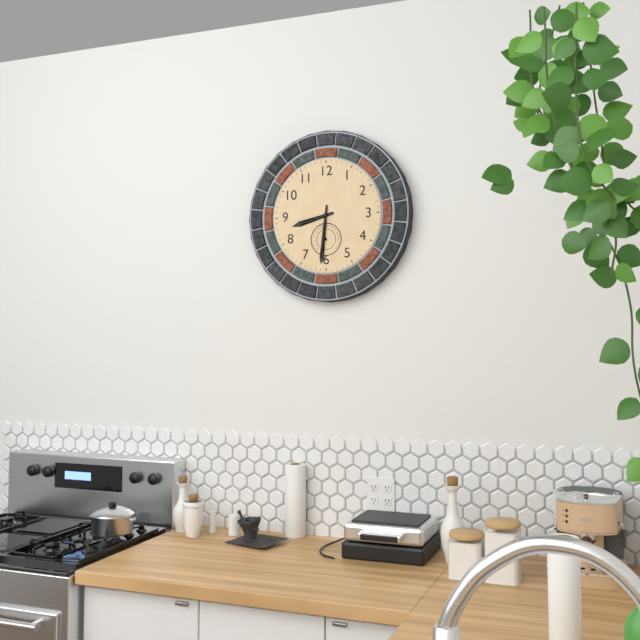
8:31
